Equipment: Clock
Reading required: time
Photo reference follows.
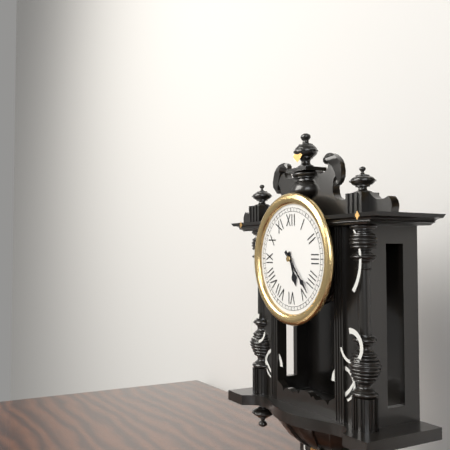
5:23
